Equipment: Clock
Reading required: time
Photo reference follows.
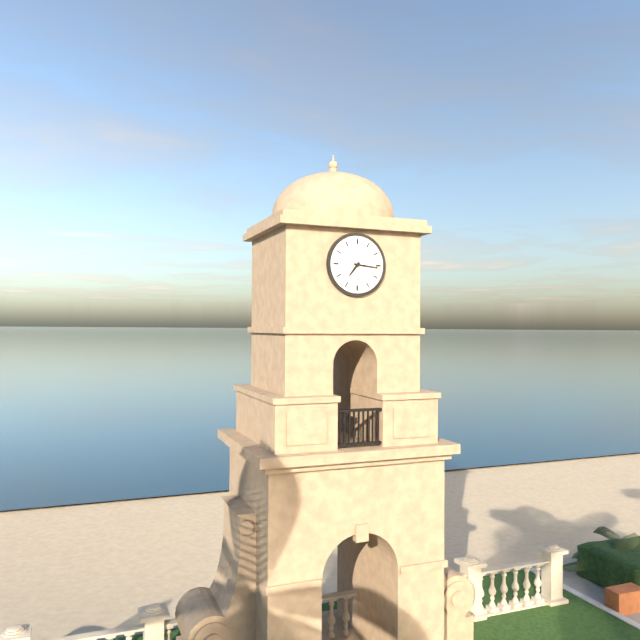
7:16
